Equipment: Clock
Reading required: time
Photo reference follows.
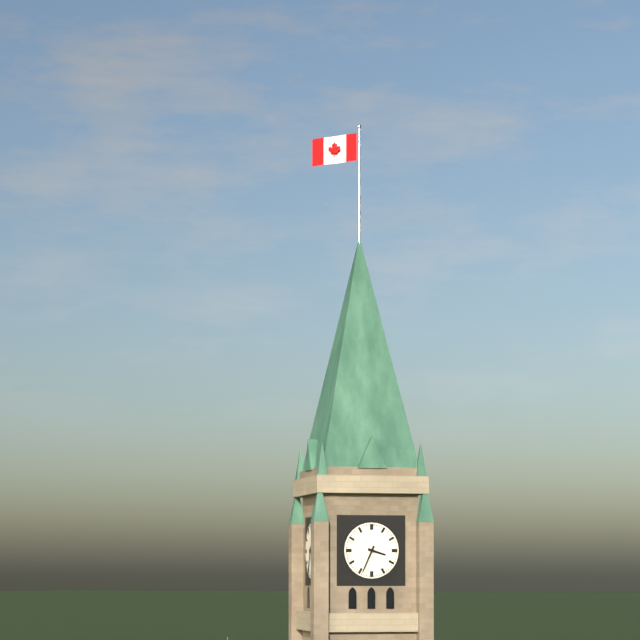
3:34
